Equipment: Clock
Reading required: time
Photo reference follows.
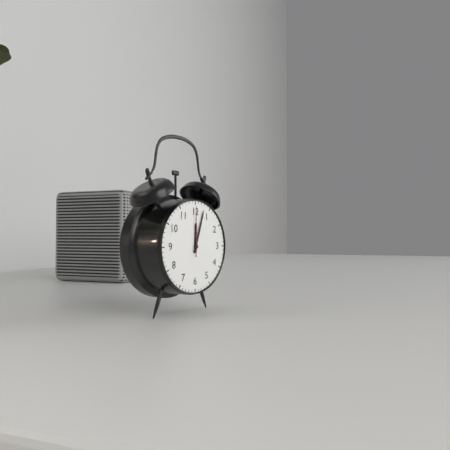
12:03:00
